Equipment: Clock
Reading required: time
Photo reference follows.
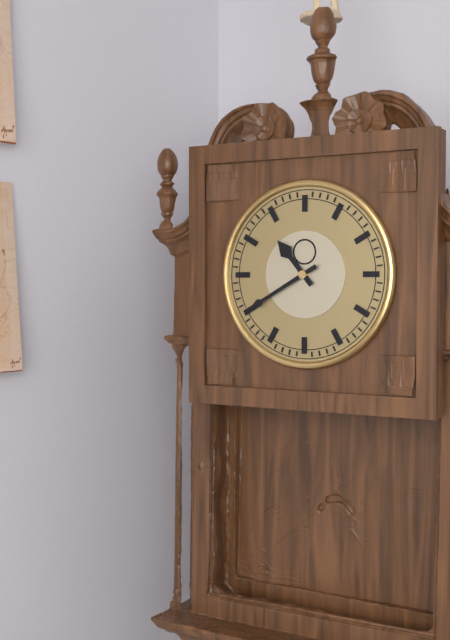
10:40
